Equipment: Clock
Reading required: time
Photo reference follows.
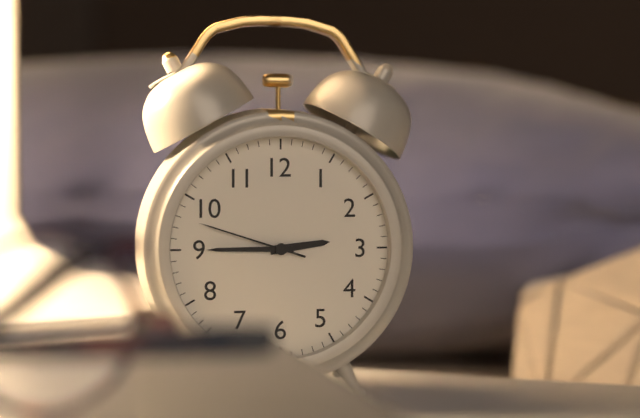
2:45:48
